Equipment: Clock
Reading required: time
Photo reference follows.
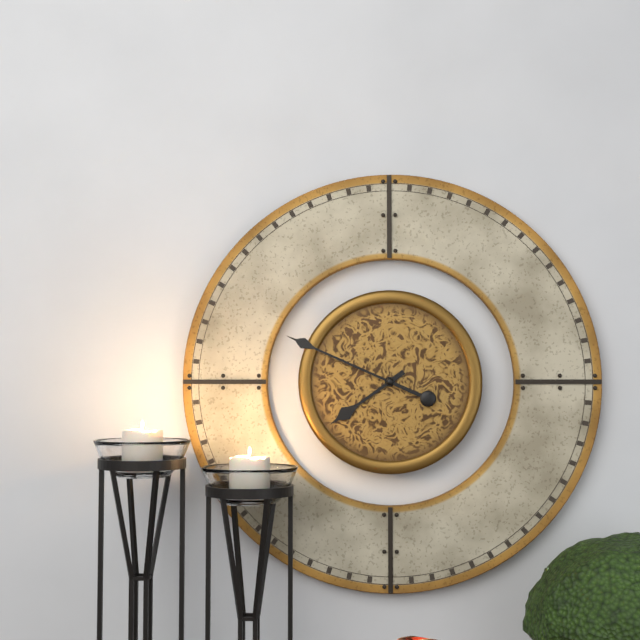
7:49
